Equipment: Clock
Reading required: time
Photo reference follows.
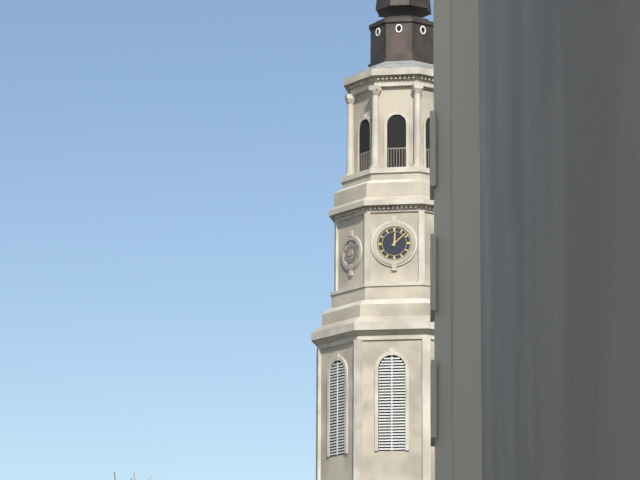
12:08
